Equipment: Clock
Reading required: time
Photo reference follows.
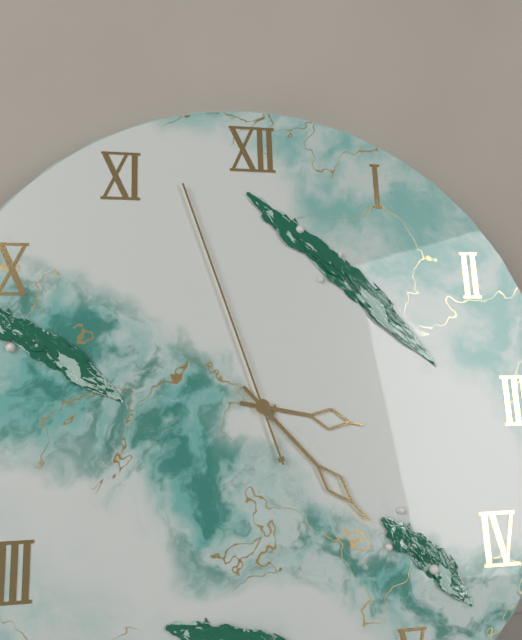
3:23:57
